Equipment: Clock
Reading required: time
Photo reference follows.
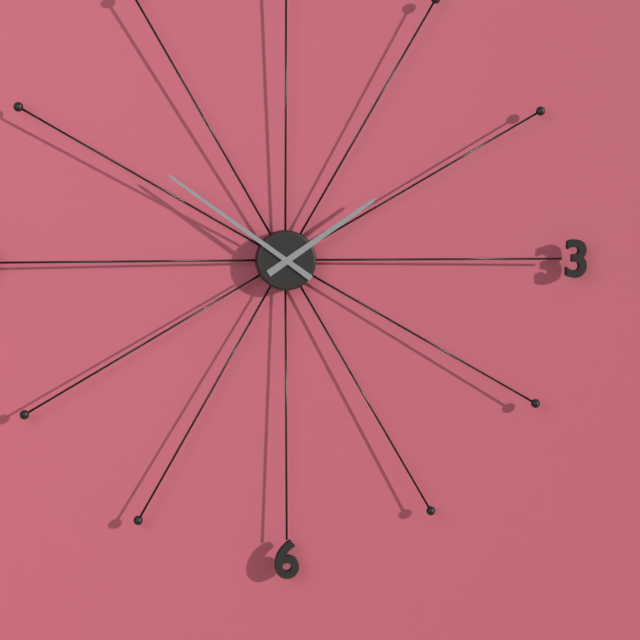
1:51
